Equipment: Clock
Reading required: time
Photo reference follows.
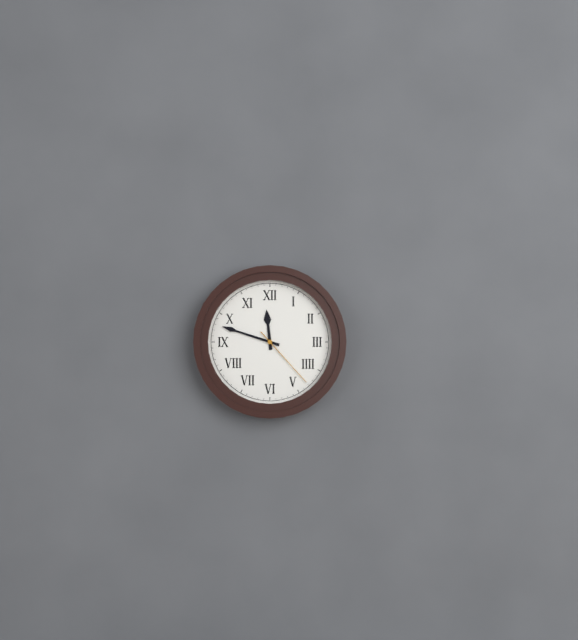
11:48:23
